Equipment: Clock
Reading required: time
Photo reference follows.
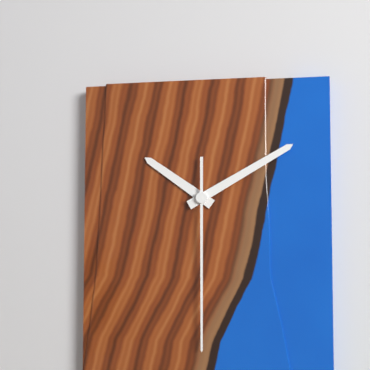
10:10:30
